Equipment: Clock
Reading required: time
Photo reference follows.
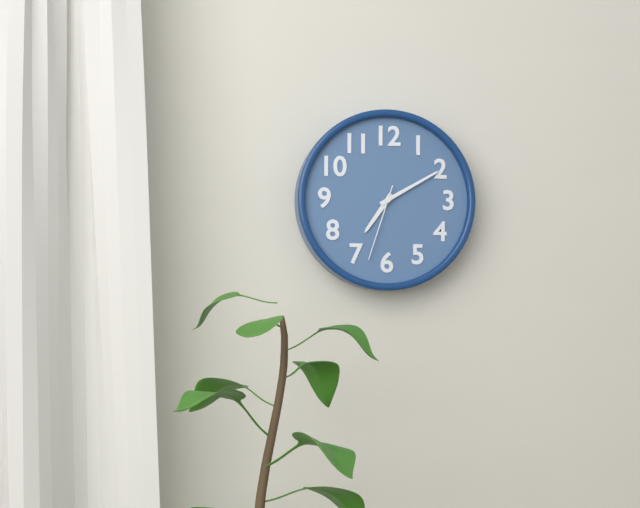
7:10:33
